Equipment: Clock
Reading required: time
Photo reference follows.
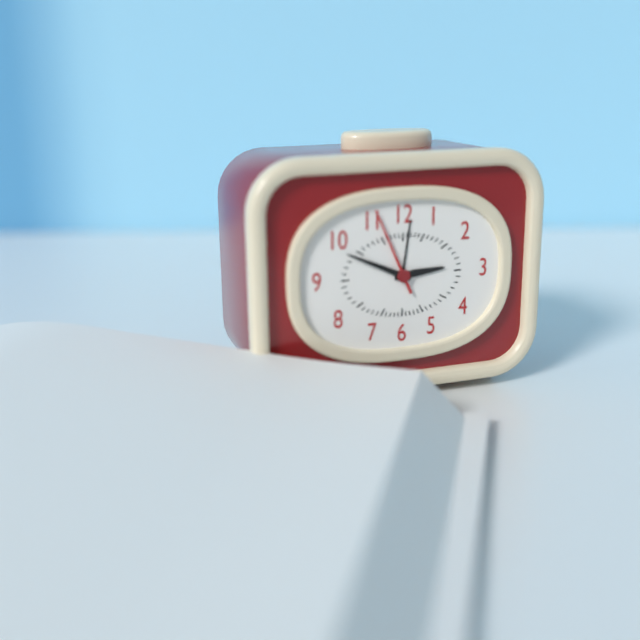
2:49:56
